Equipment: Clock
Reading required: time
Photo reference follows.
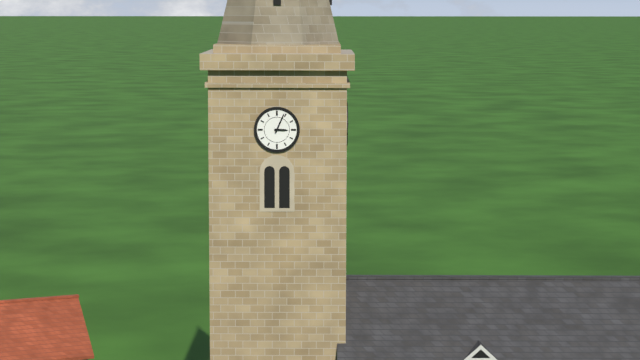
3:04
